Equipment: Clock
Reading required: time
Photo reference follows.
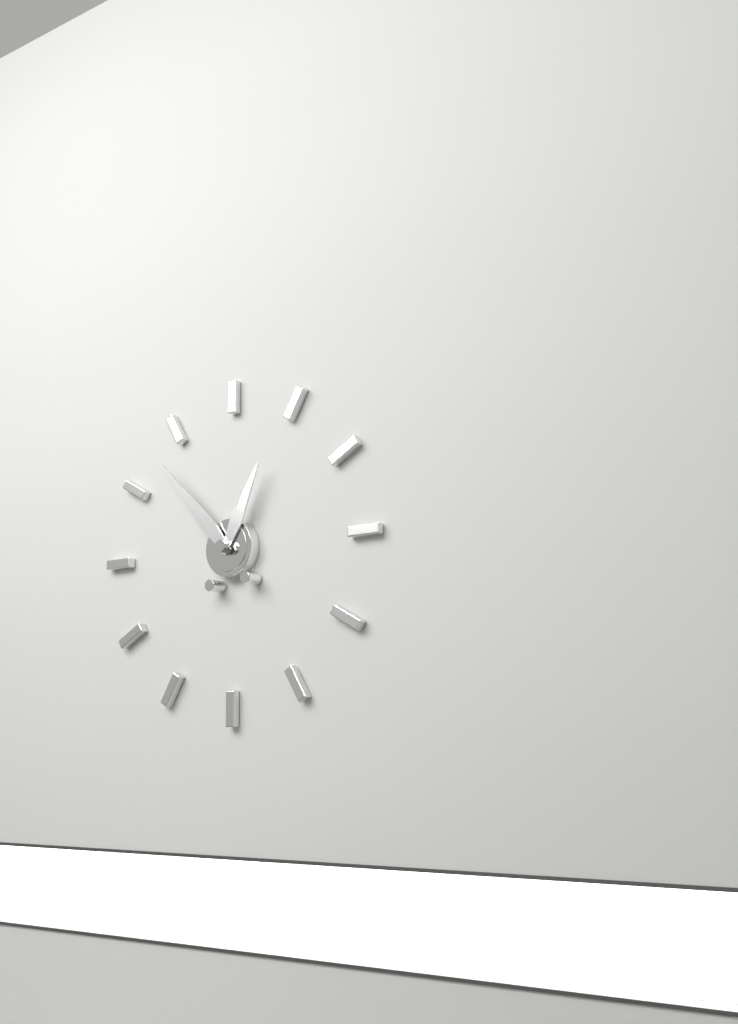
12:53
